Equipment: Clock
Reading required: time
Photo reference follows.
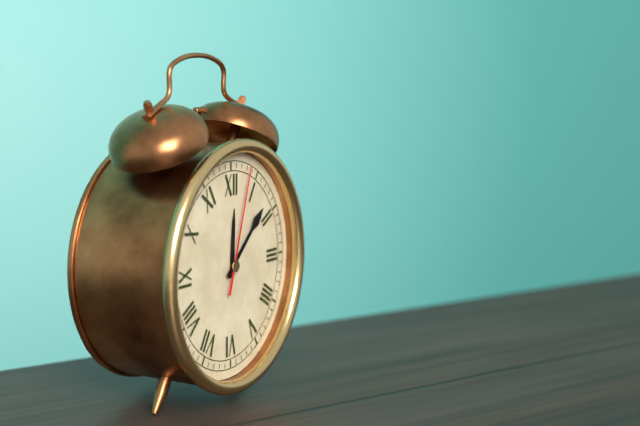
12:08:03
